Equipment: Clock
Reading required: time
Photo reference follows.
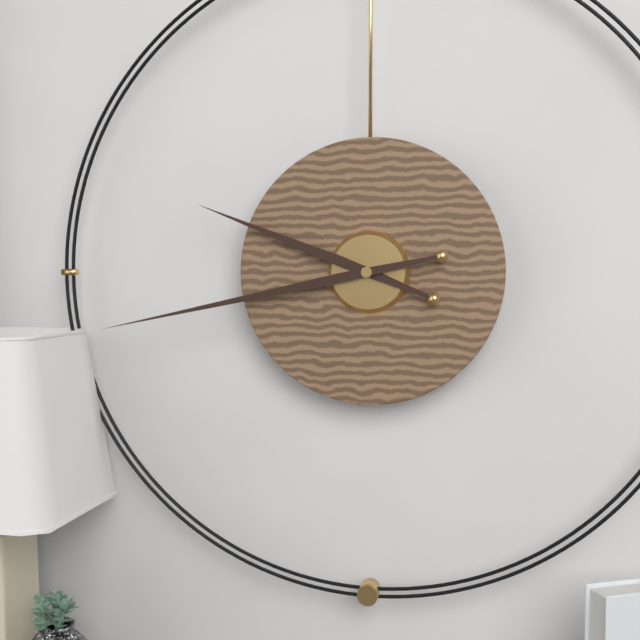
9:43
